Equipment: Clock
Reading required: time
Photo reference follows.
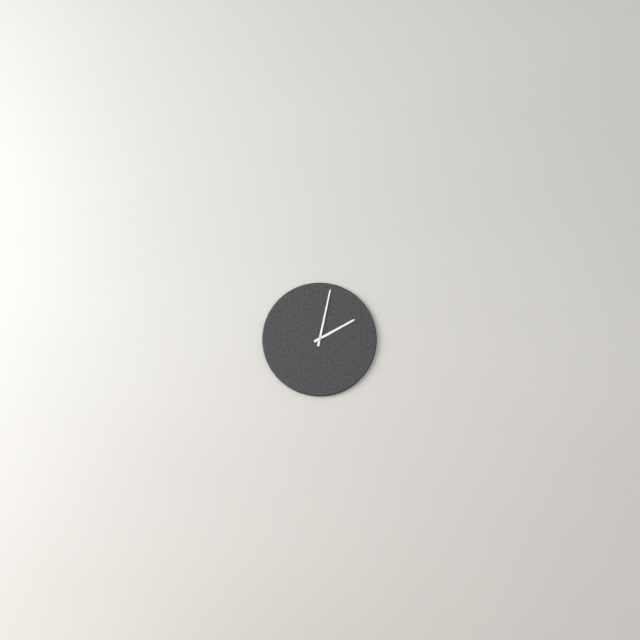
2:02
